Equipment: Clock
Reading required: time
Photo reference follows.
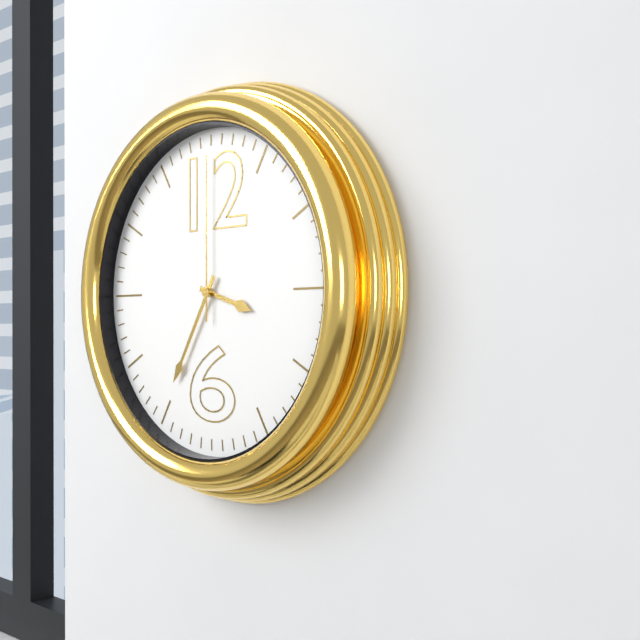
3:35:00
